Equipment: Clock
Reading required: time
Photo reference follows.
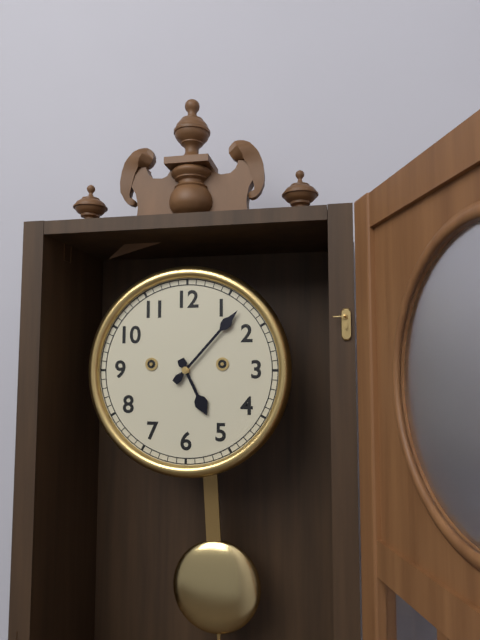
5:07
